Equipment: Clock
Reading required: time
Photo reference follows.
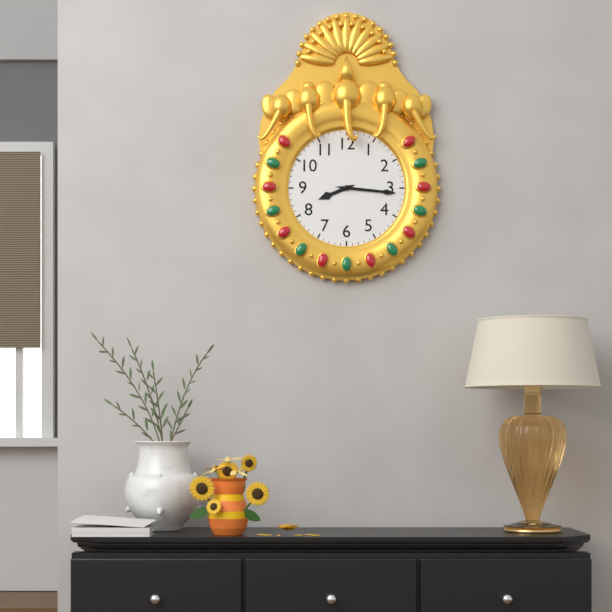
8:16
